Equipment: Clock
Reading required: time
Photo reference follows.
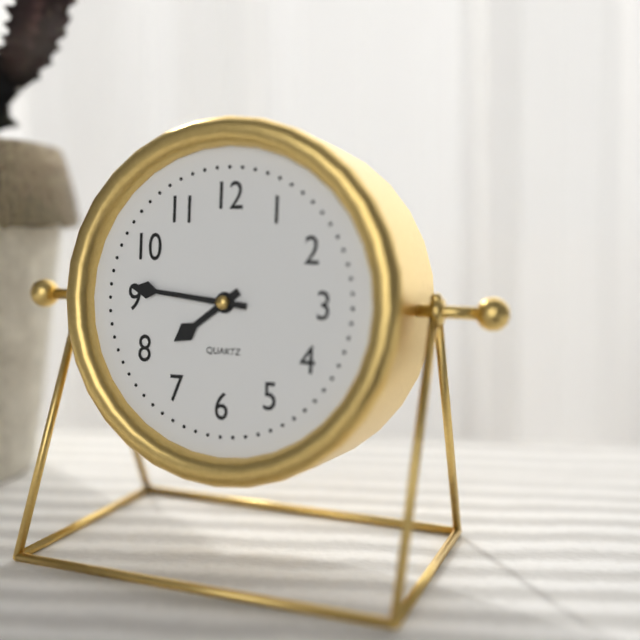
7:46
